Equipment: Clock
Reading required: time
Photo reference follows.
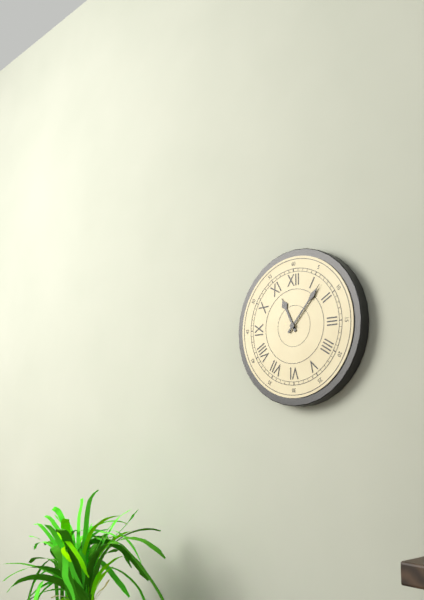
11:07
